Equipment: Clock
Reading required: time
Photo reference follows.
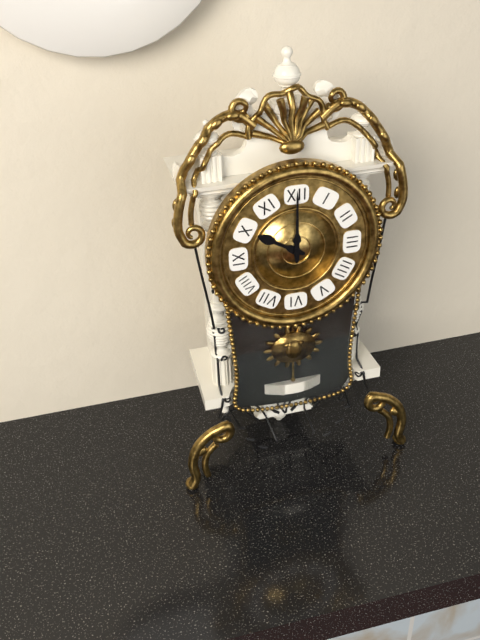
10:00
